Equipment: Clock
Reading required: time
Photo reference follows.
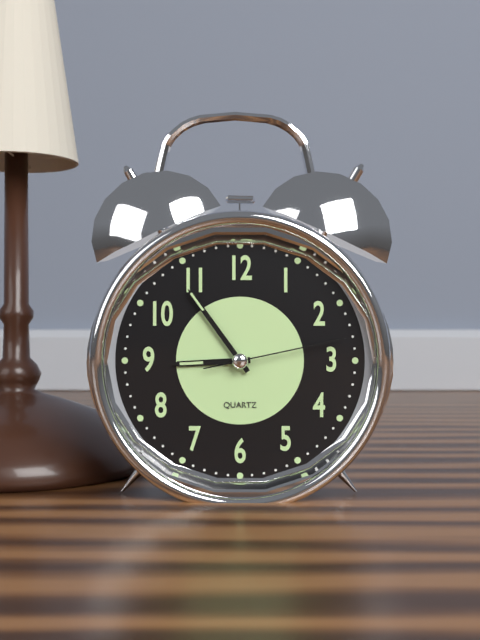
8:54:13
